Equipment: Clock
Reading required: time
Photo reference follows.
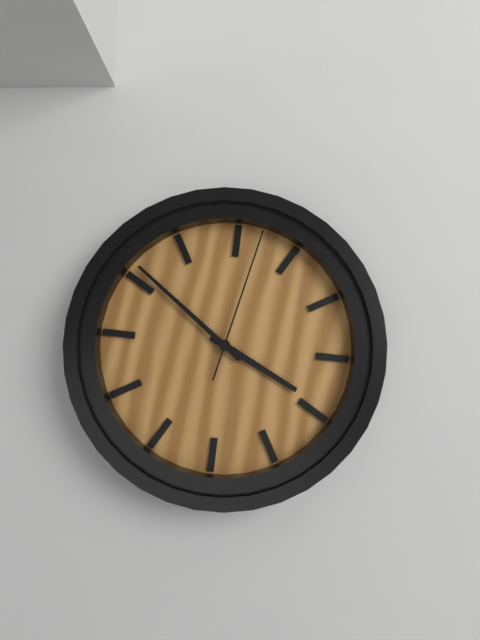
3:51:02
